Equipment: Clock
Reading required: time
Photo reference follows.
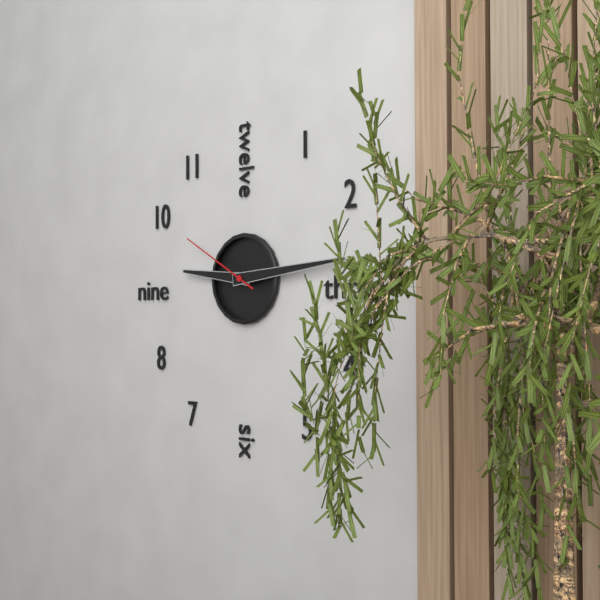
9:14:50
